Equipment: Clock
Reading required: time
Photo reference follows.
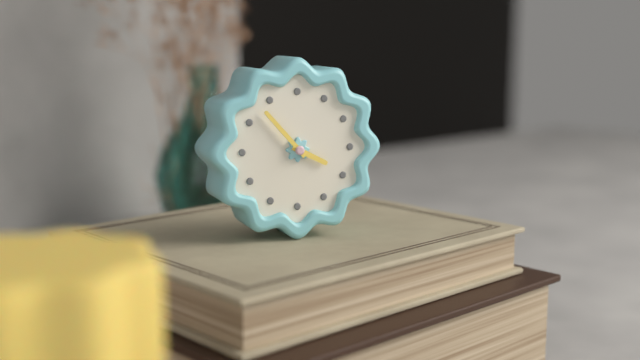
3:53
